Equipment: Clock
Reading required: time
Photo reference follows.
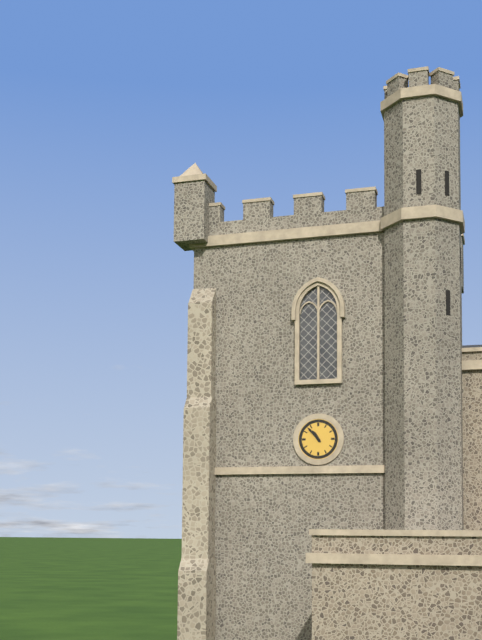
10:53
